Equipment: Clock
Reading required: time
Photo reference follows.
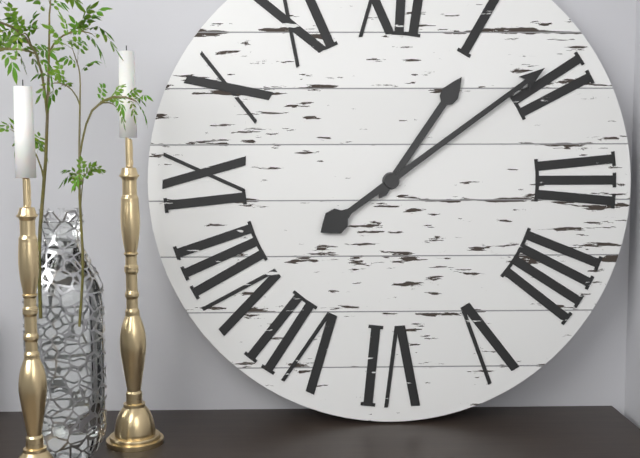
1:09
